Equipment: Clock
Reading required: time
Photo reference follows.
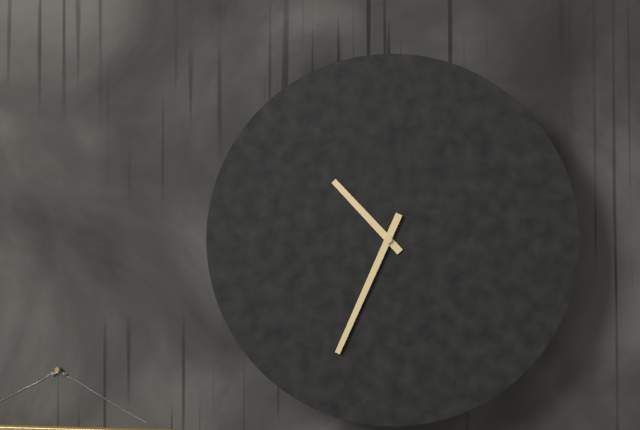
10:34
